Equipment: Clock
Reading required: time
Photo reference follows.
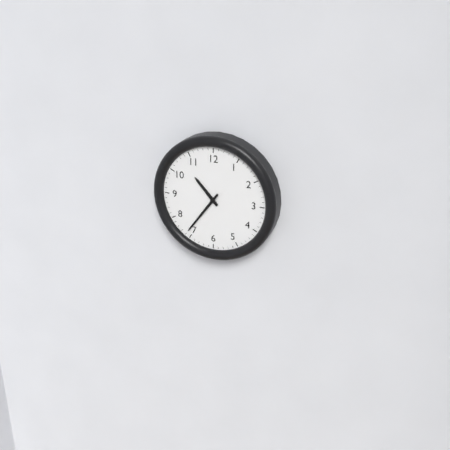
10:36
